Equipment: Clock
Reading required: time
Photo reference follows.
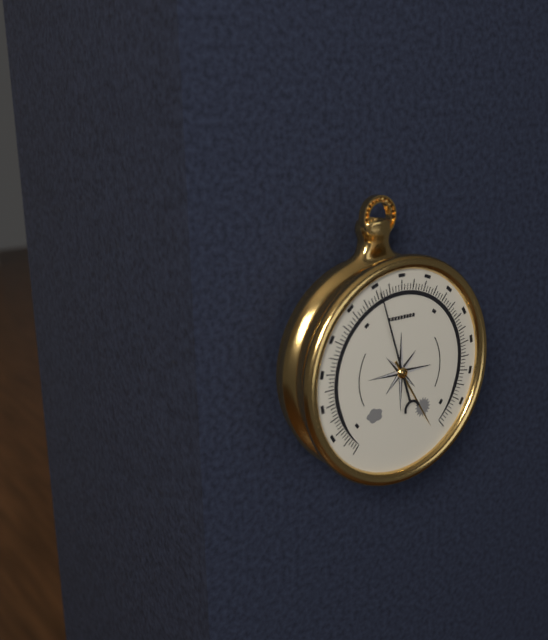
4:57
